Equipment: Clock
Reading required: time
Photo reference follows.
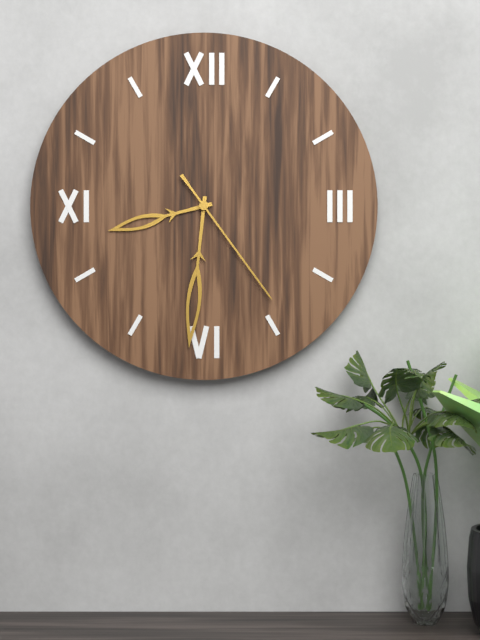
8:31:24
